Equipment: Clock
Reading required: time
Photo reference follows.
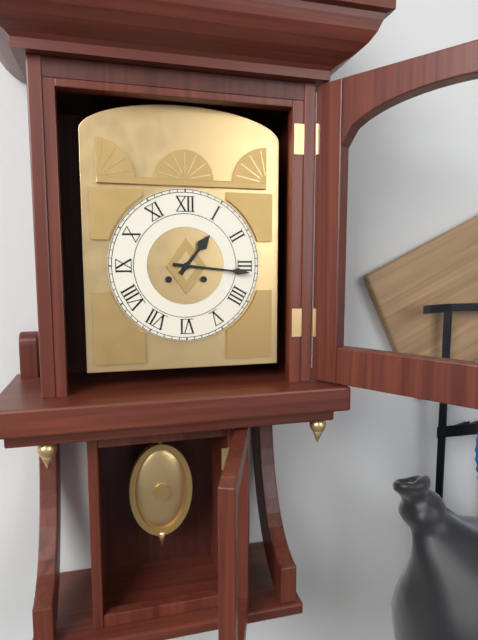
1:16
